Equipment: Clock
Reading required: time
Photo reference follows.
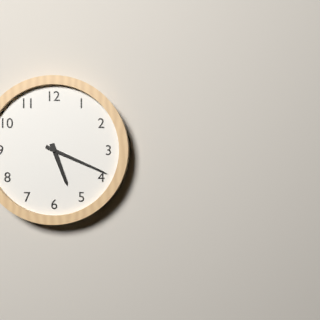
5:19
